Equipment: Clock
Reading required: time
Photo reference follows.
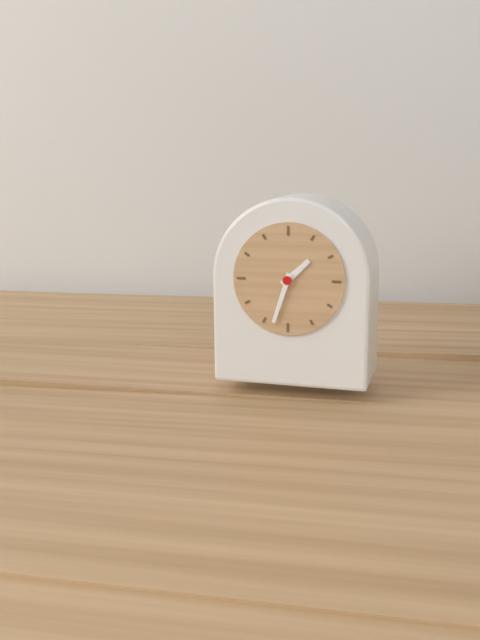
1:33
